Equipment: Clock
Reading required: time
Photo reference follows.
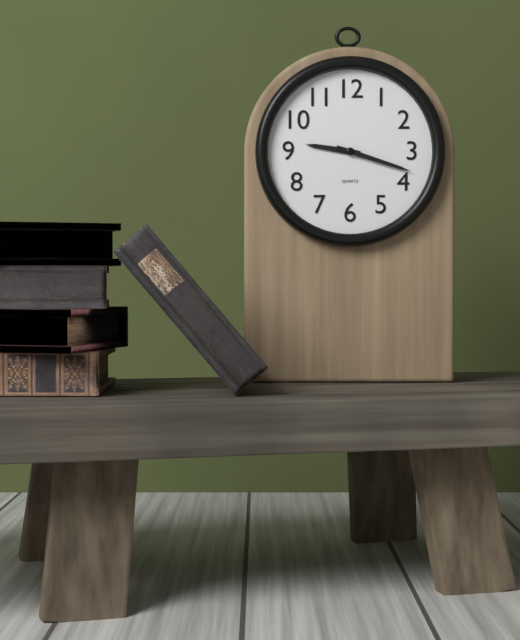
9:18
